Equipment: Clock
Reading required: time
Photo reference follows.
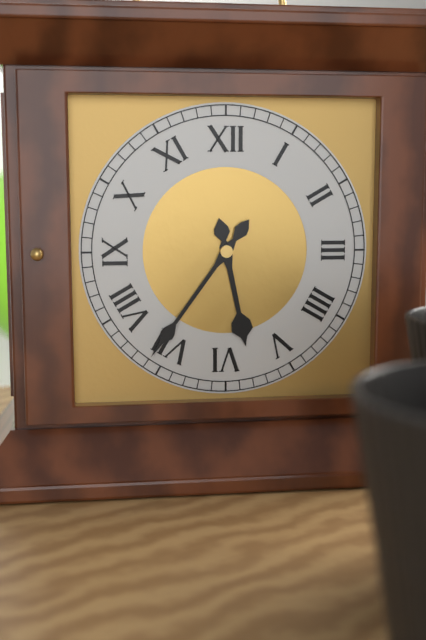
5:36
